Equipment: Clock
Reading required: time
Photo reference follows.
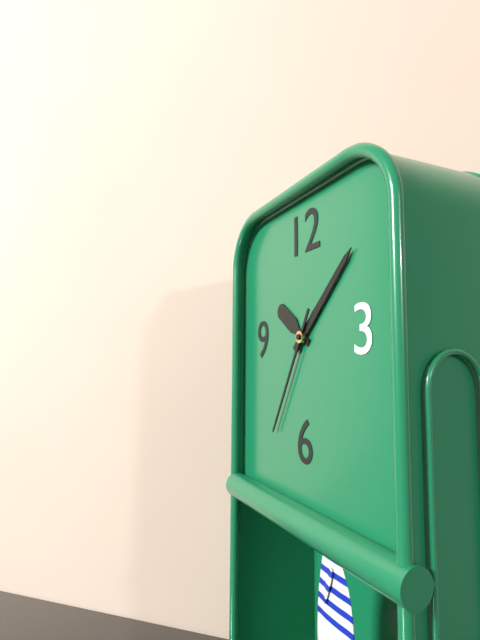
10:08:35
